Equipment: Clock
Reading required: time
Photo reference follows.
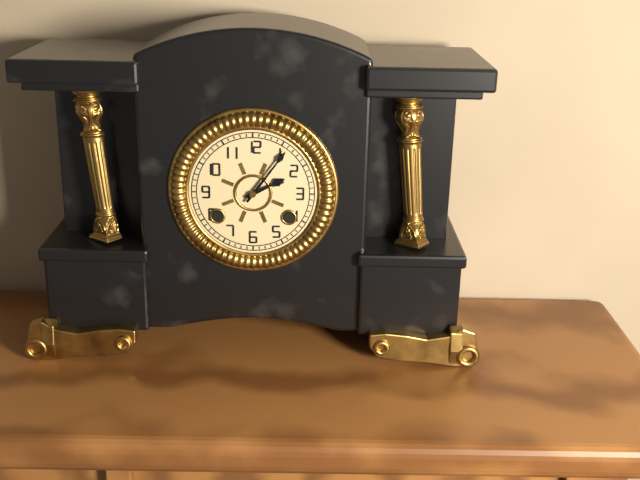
2:06
